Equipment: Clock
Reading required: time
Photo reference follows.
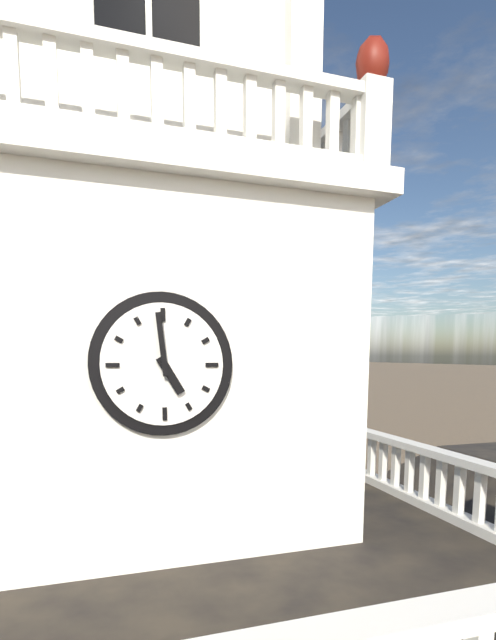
4:59
